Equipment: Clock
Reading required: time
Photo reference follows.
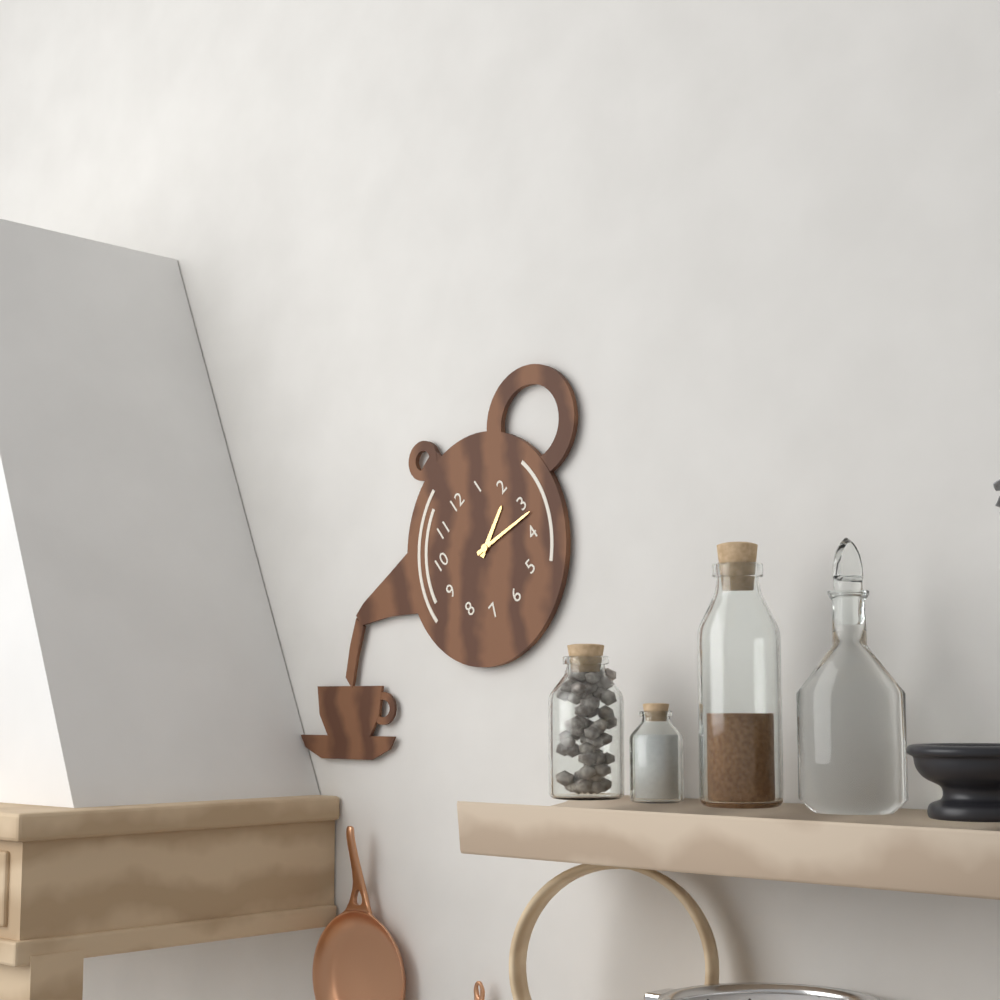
2:17
